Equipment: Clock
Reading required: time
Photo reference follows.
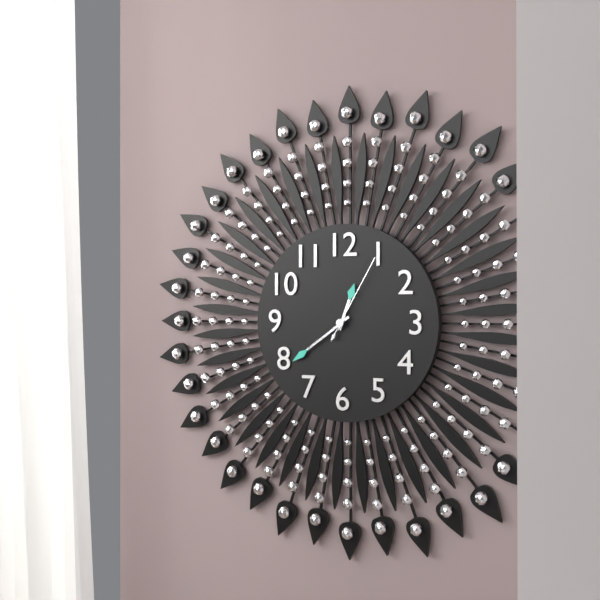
12:39:05
